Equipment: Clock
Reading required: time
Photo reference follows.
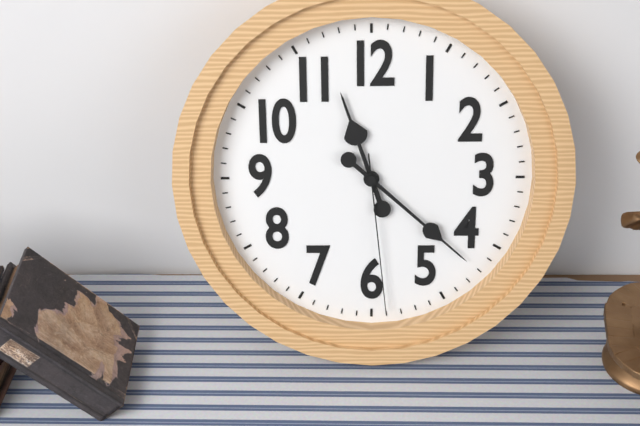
11:22:29
